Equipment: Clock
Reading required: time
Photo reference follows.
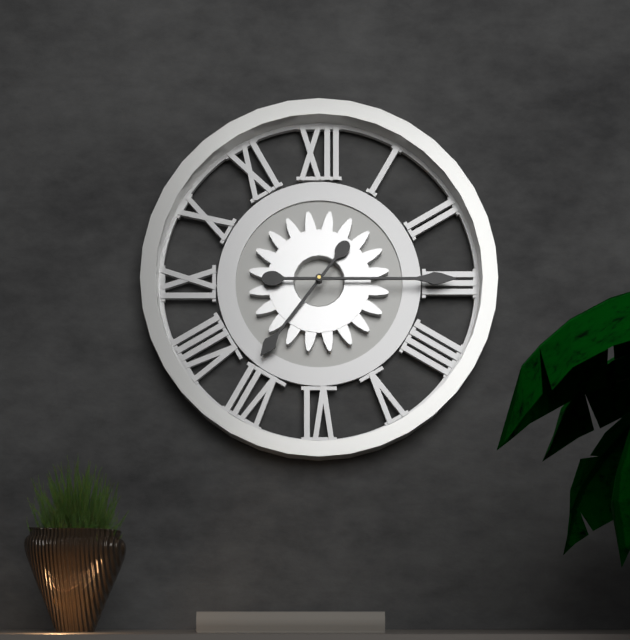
7:15
